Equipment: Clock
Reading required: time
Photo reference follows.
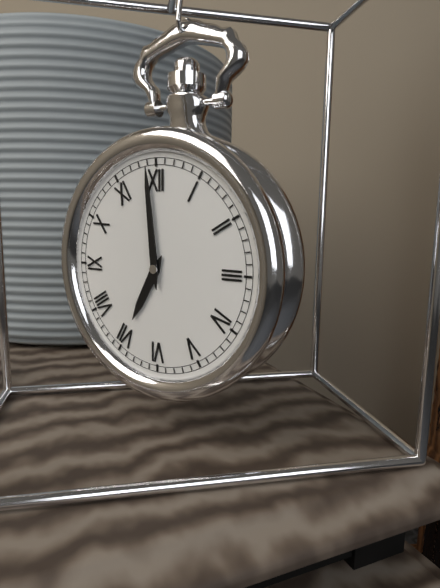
6:59
